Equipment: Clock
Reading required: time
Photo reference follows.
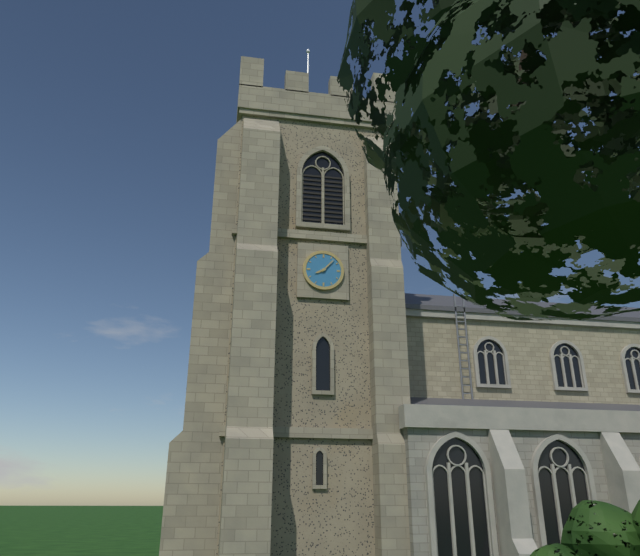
8:07
